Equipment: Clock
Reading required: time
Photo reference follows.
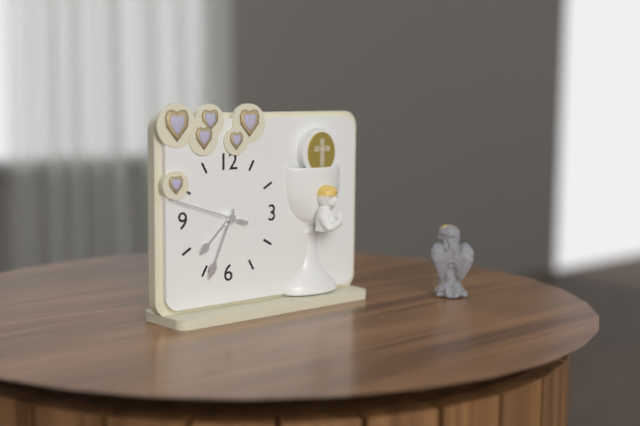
7:34:48
